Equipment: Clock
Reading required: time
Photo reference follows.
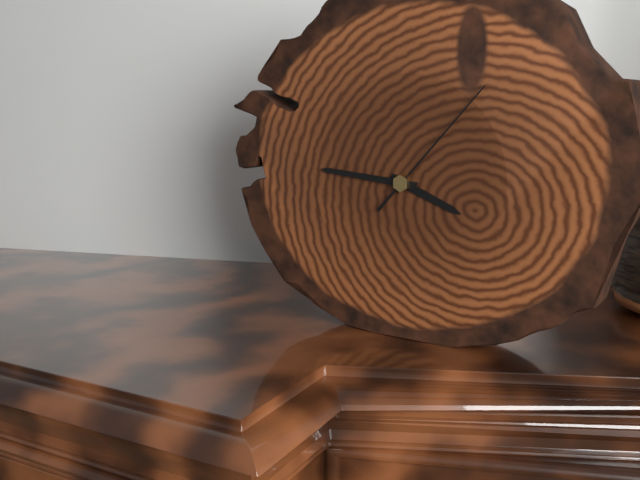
3:46:07
